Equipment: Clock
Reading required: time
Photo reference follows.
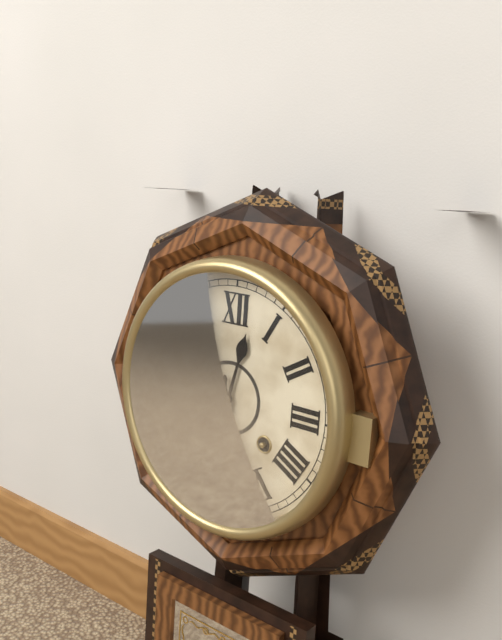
12:28
